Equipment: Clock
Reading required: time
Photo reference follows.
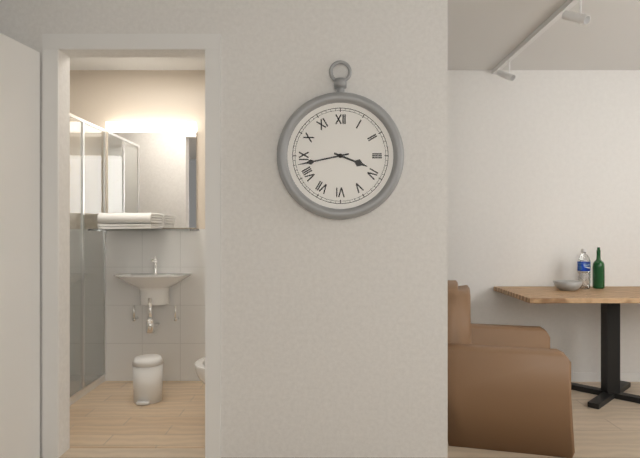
3:43
